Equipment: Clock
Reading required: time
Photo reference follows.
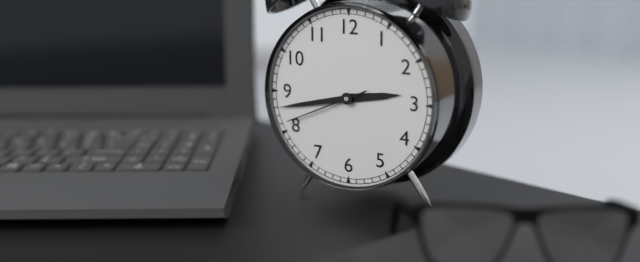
2:43:41
